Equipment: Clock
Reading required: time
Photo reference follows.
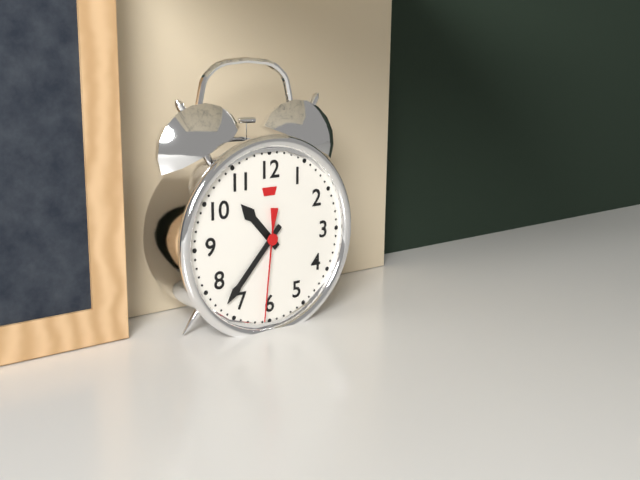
10:37:31
